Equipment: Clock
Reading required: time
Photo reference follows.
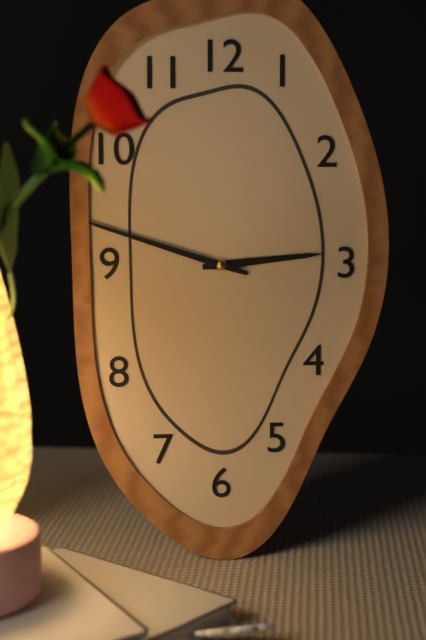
2:48
